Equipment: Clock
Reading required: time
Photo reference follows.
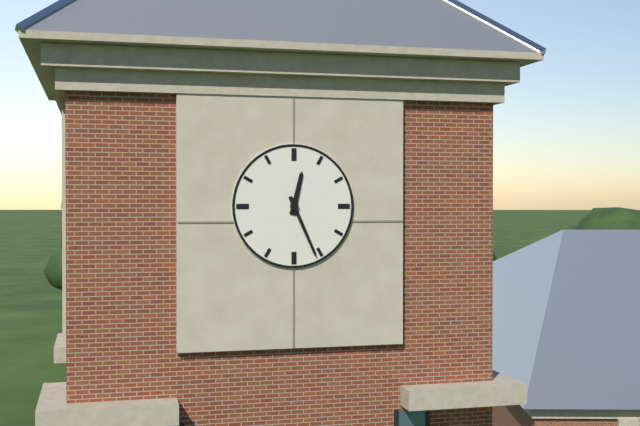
12:26
